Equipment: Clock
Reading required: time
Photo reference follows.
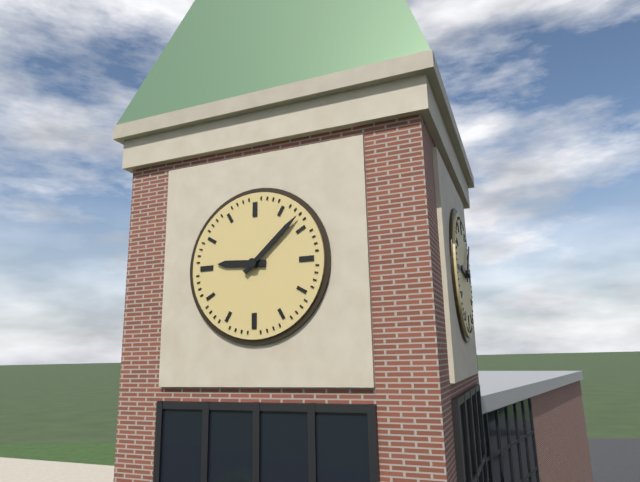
9:08
